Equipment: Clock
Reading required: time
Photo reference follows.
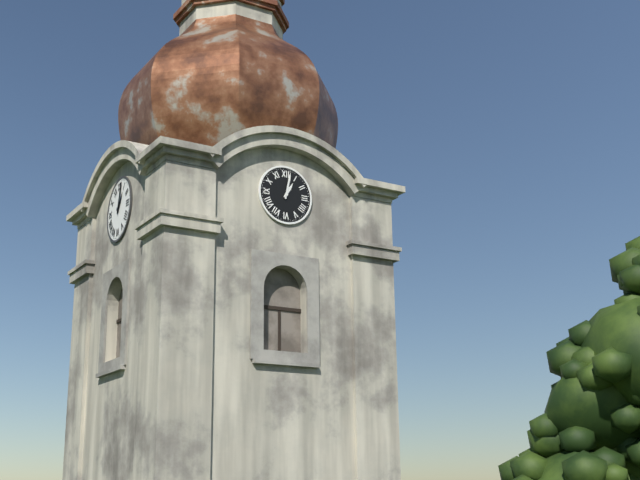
1:02
